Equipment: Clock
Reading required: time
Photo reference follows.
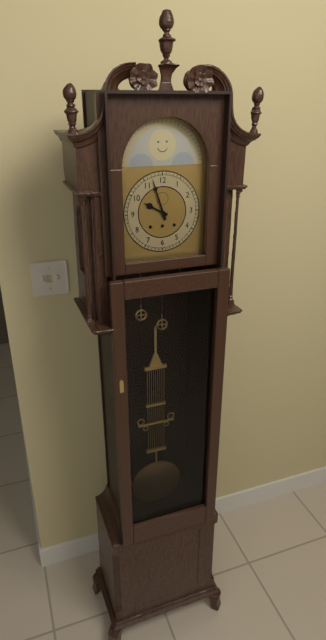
9:57
